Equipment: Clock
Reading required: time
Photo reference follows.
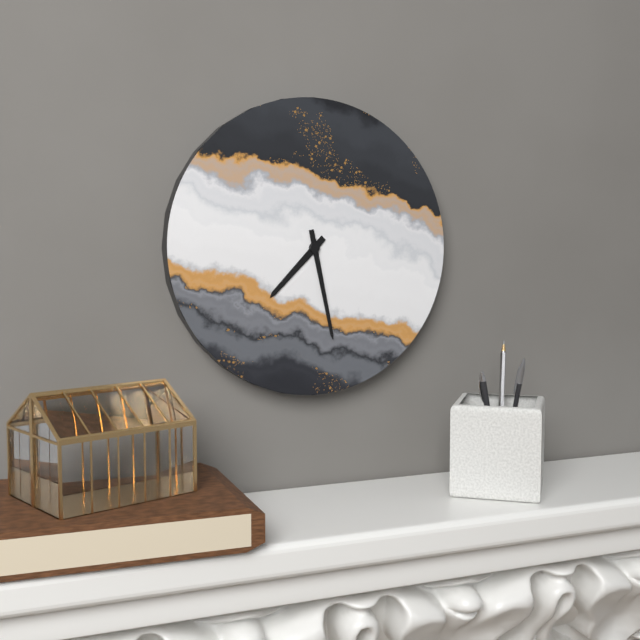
7:28
